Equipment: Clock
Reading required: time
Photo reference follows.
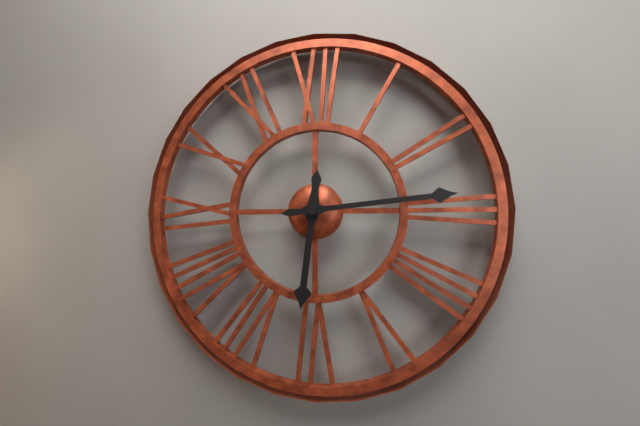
6:14
